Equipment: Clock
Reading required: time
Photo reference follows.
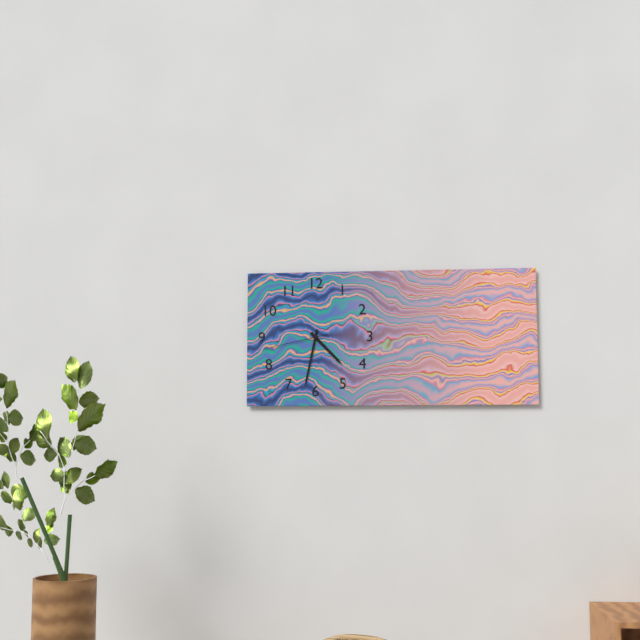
4:32:43
